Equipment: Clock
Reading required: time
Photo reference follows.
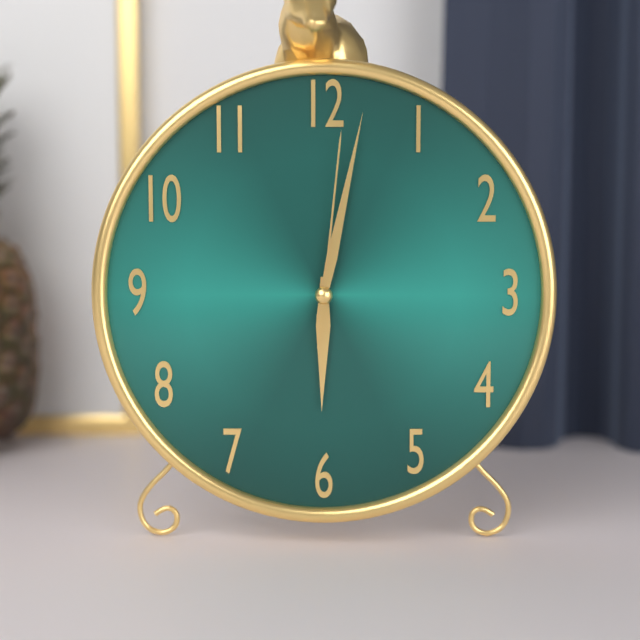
6:02:01
